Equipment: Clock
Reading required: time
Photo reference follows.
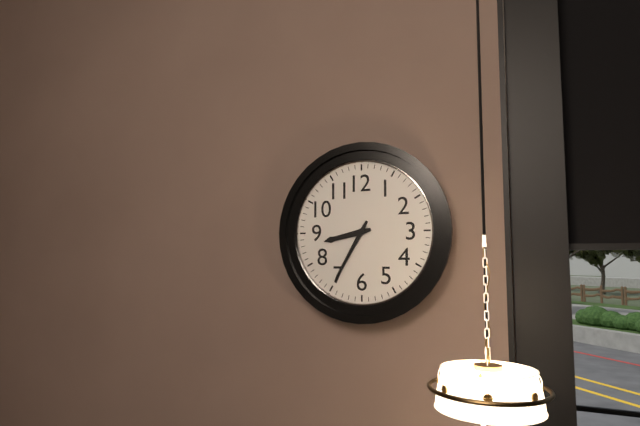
8:35
